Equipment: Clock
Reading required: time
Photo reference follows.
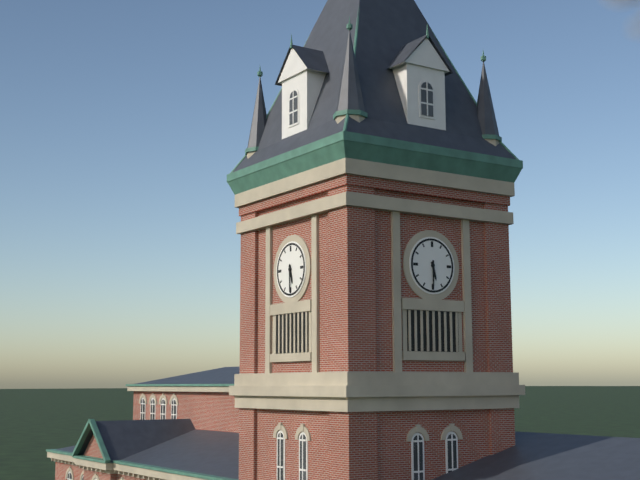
5:30
